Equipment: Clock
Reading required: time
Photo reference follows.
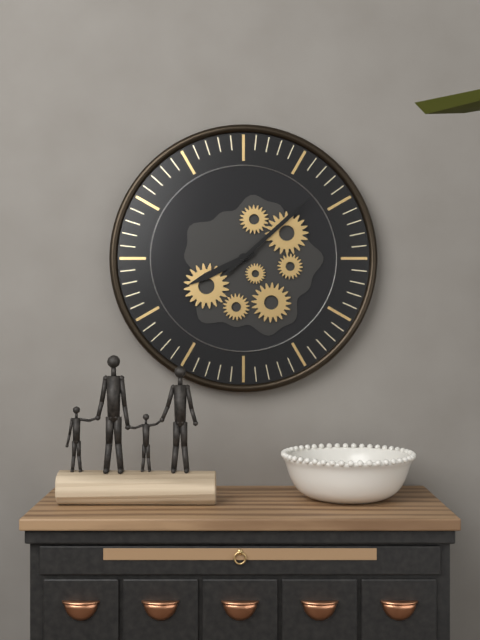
8:08
